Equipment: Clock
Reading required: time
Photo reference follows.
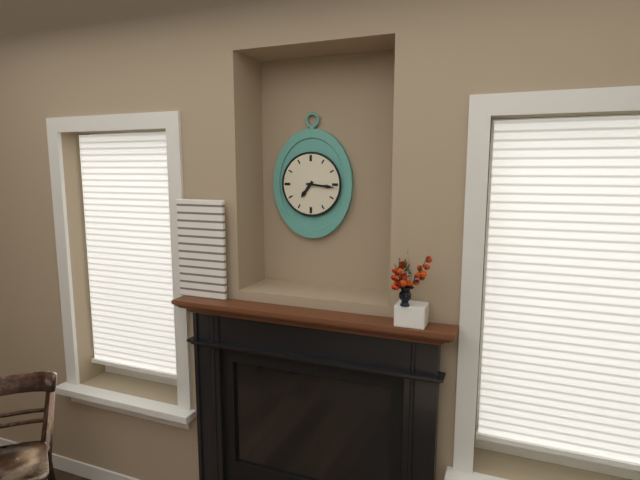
7:16
